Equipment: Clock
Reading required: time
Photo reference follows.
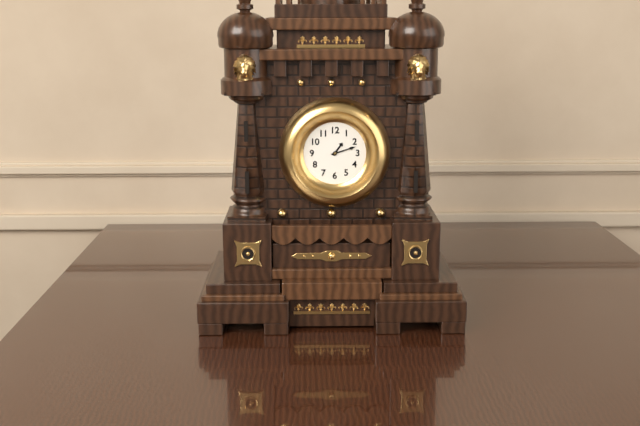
1:12
